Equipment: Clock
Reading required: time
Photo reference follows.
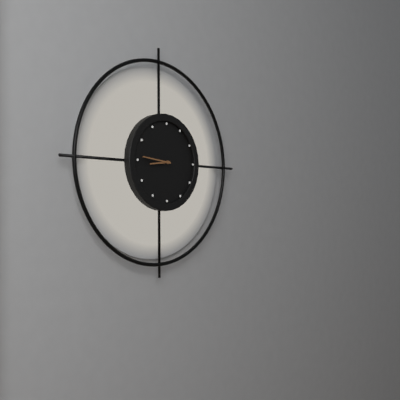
8:46
